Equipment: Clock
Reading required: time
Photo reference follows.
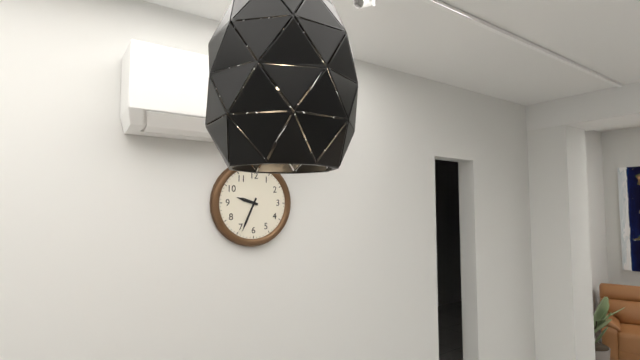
9:34
